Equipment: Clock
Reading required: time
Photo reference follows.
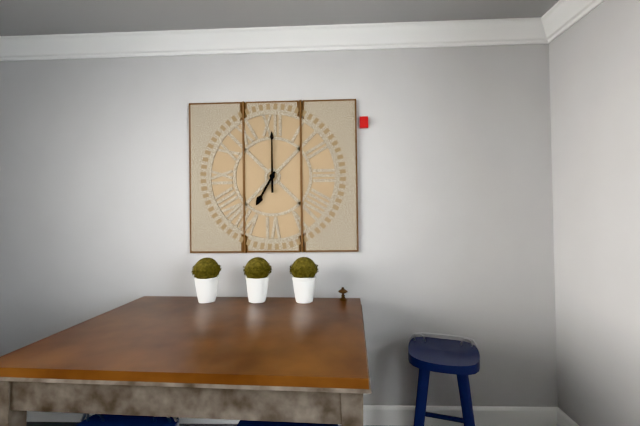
7:00
